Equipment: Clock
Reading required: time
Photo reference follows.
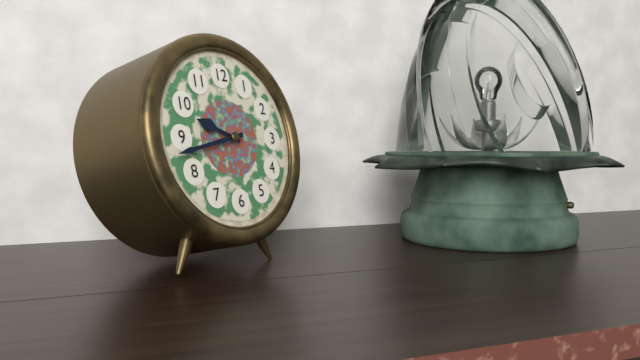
9:43
